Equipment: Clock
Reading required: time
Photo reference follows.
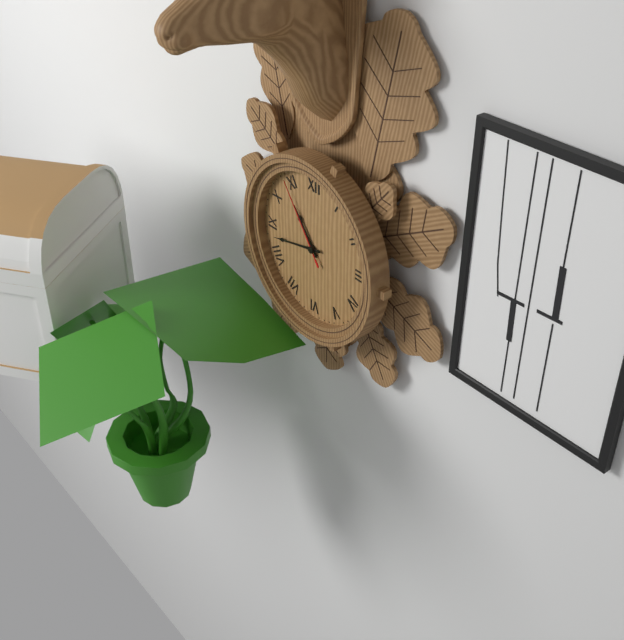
10:43:54
